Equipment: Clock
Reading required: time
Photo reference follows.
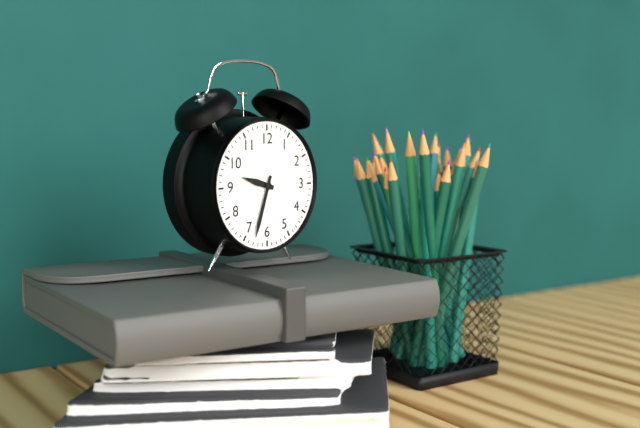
9:33
